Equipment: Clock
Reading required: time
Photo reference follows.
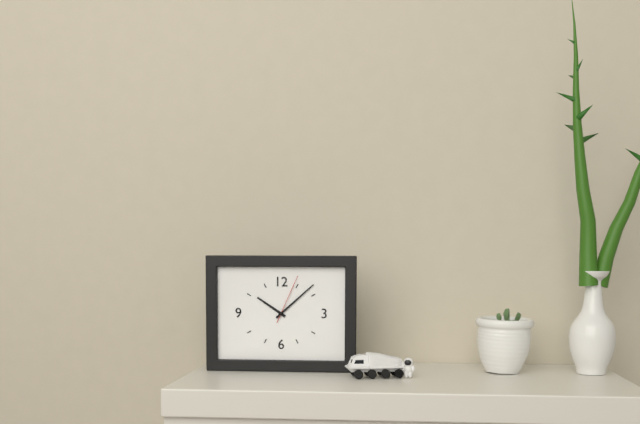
10:08:04
